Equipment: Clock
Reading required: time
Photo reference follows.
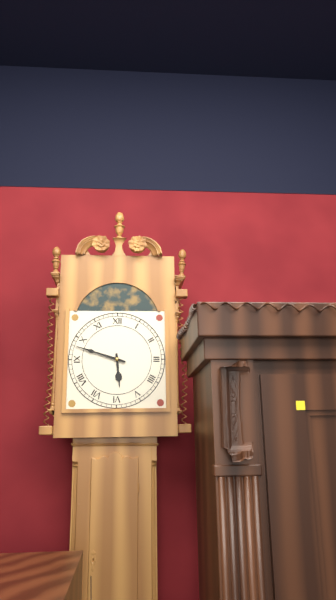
5:48
